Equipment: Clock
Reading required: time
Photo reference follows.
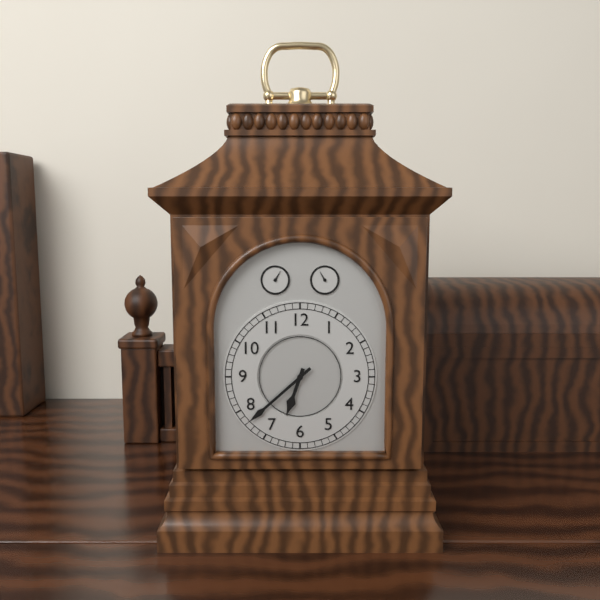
6:38
